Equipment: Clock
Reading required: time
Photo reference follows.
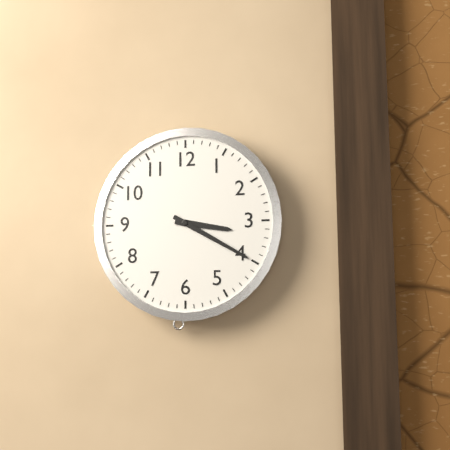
3:20
